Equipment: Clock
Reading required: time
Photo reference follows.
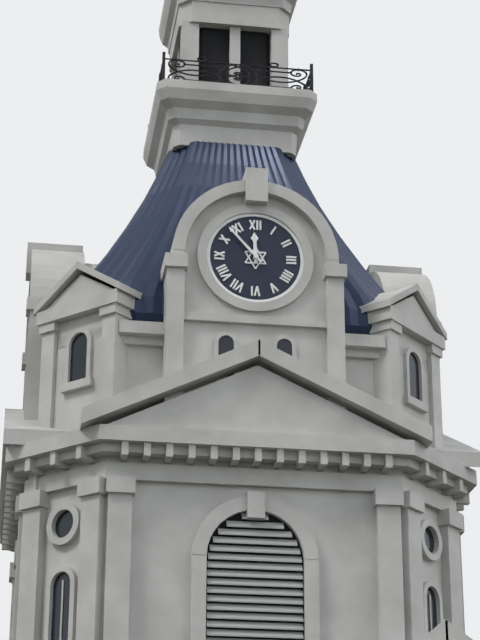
11:53
